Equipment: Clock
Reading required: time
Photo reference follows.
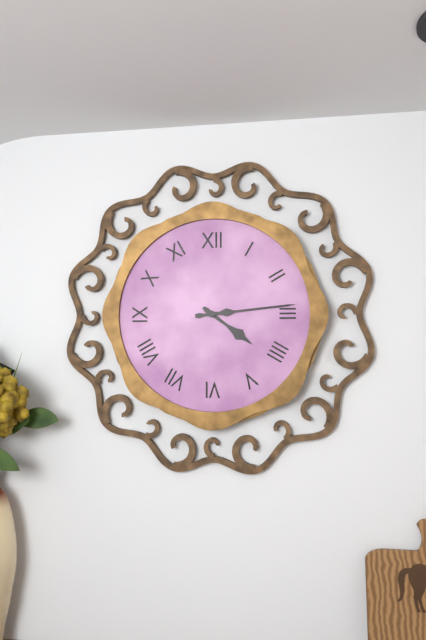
4:14
